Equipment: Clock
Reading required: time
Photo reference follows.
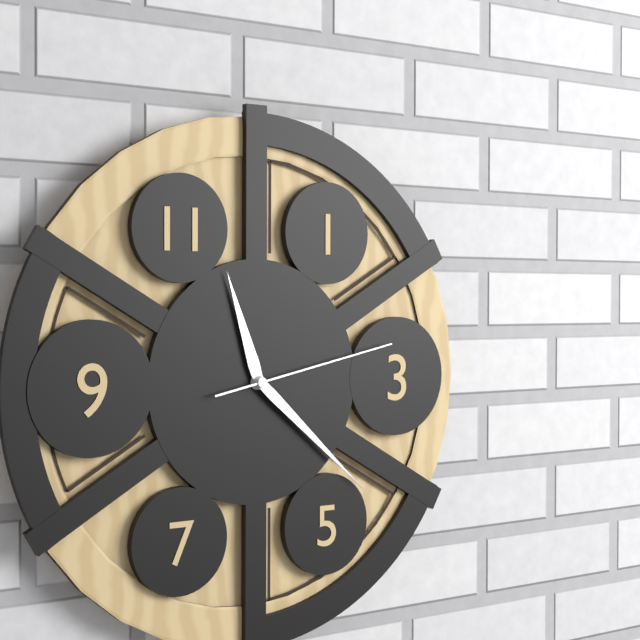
11:22:13
